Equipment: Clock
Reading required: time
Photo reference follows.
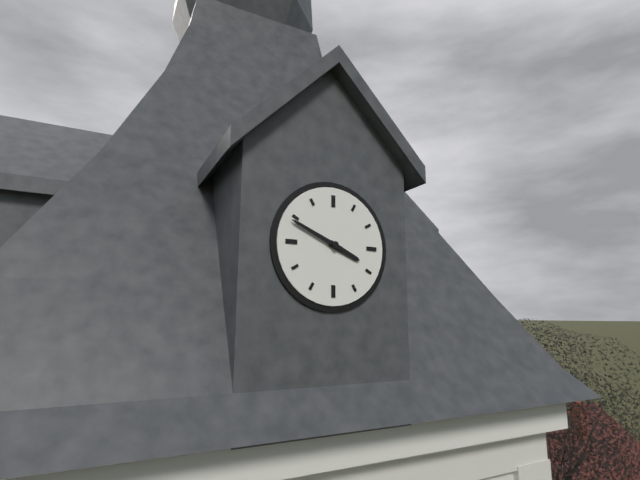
3:49
